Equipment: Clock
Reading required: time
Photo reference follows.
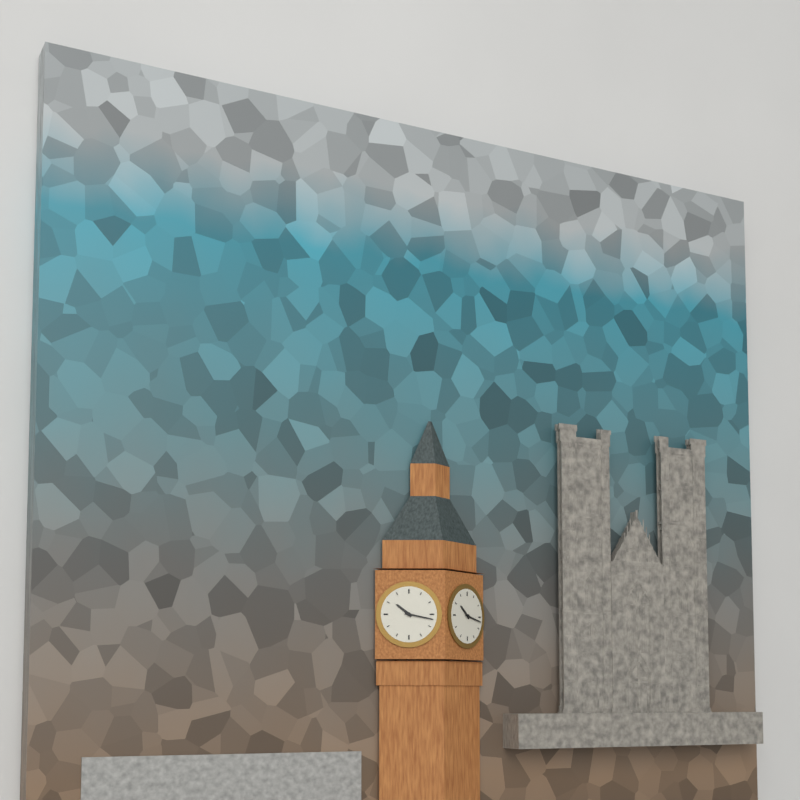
10:17
